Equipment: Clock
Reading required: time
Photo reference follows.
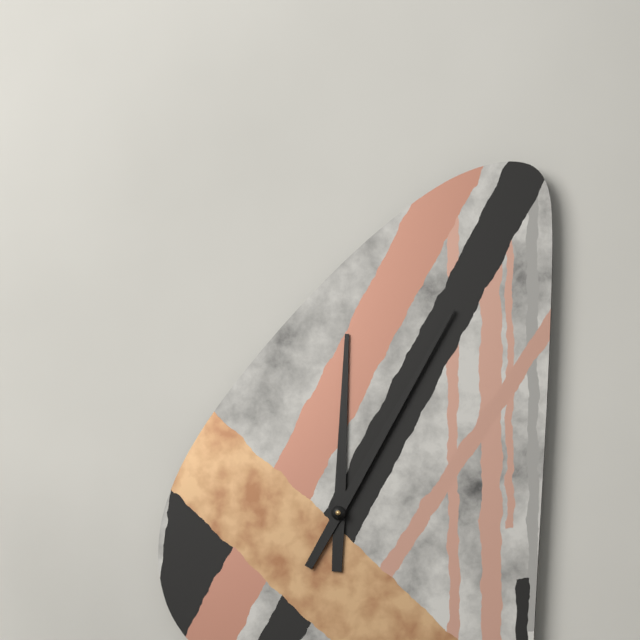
12:05
